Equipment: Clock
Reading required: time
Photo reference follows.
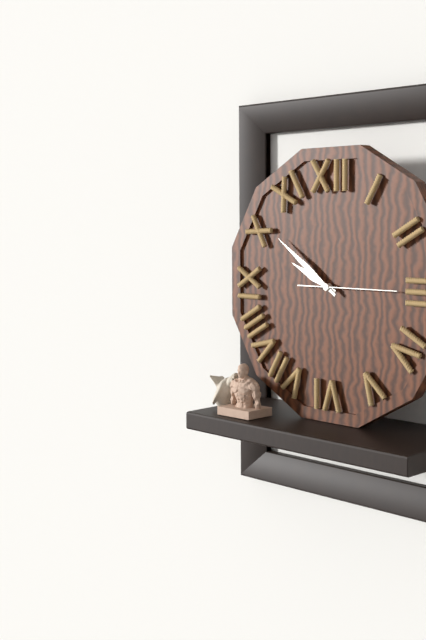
9:51:15
